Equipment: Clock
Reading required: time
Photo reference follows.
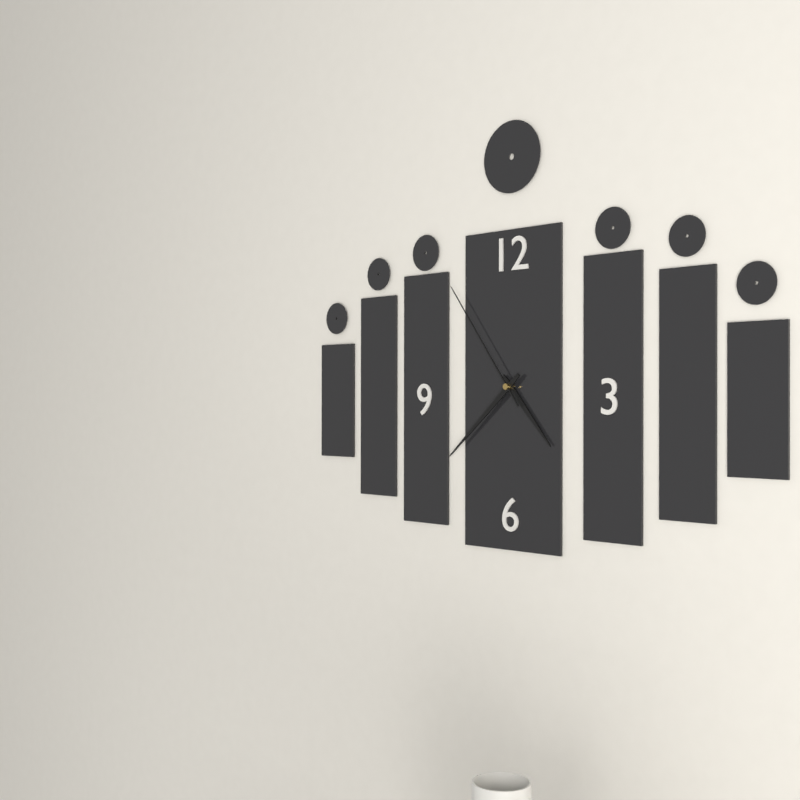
4:38:54
